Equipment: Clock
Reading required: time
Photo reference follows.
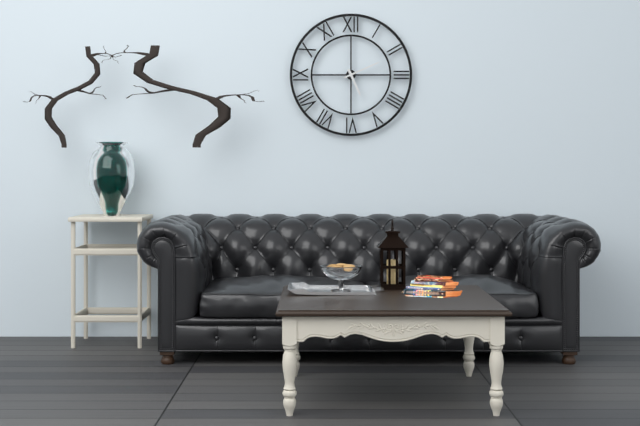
5:11
